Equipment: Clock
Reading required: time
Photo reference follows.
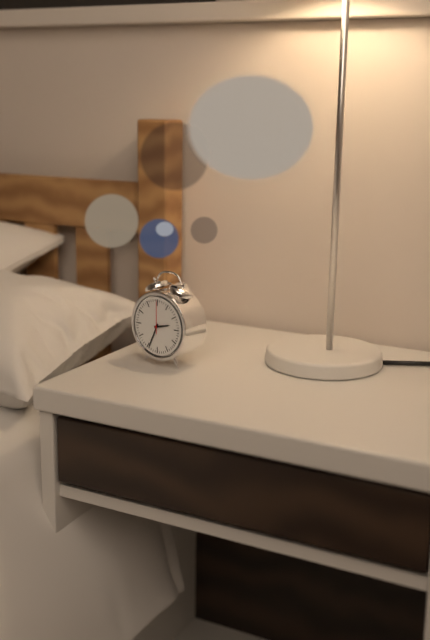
2:34
